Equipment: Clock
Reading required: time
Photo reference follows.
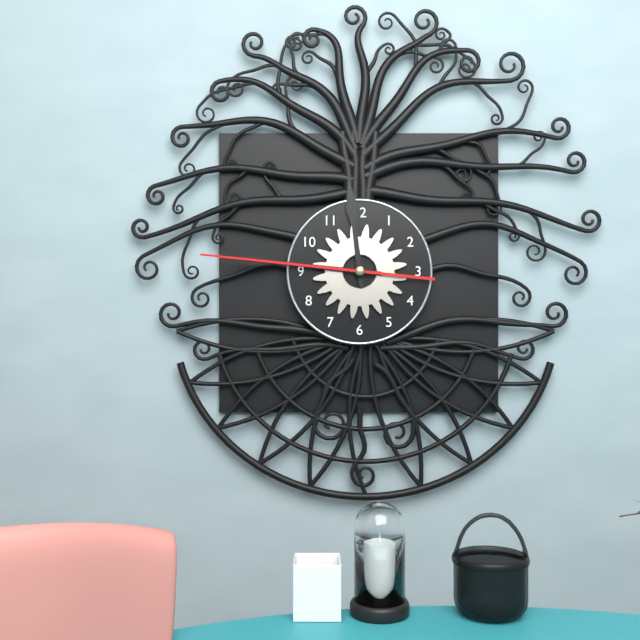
11:46:46
